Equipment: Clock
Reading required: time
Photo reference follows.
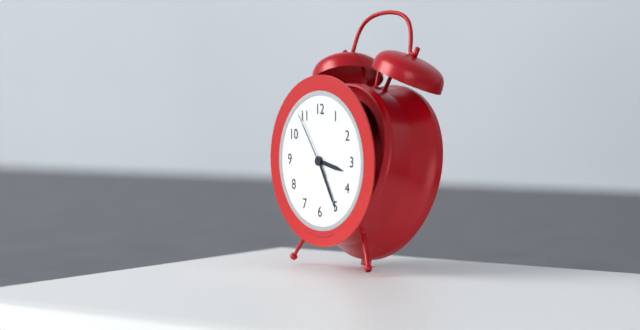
3:25:54
